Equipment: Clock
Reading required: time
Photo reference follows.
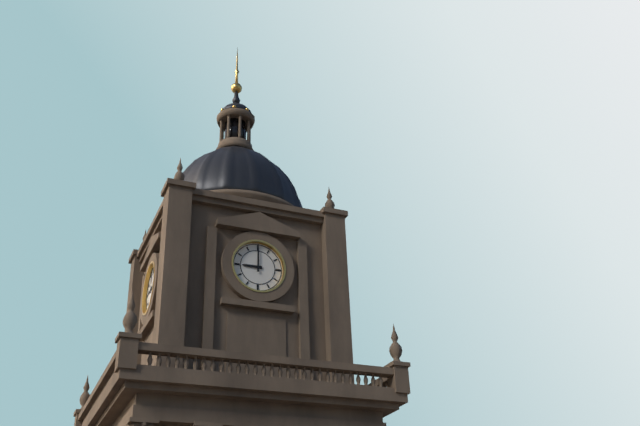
9:00
